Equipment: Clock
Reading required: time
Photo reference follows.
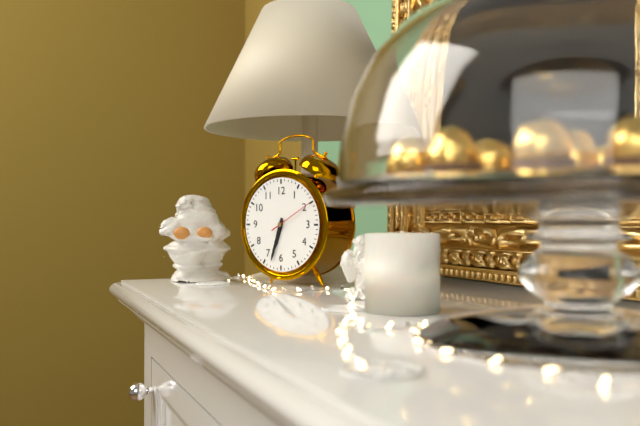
6:33
